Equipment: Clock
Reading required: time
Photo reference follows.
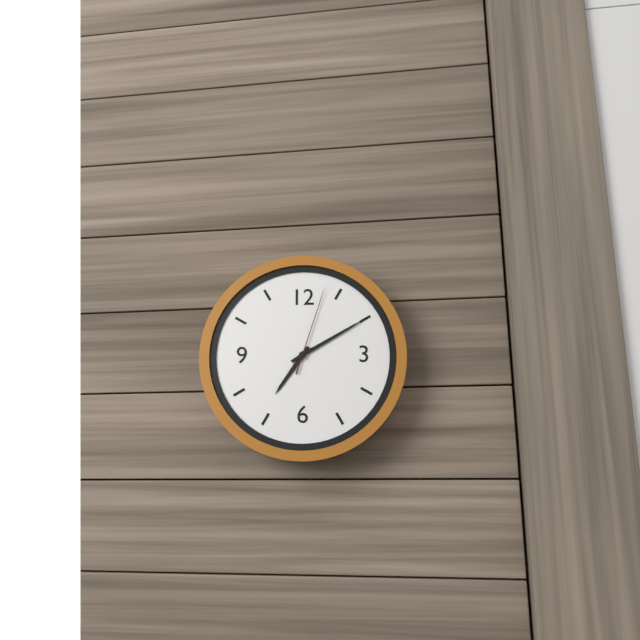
7:10:03
